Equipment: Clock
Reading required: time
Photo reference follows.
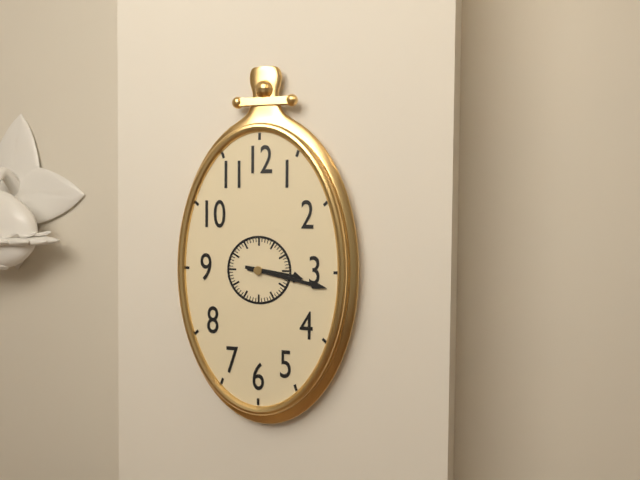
3:17
